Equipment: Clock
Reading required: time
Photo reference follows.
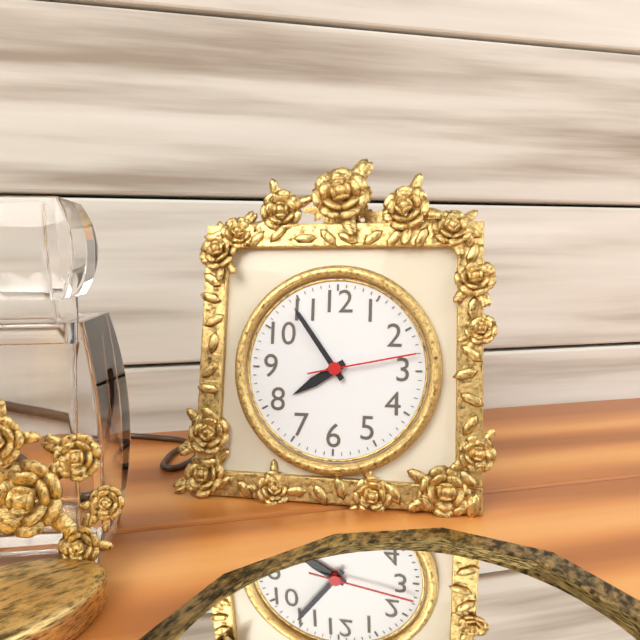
7:54:13
